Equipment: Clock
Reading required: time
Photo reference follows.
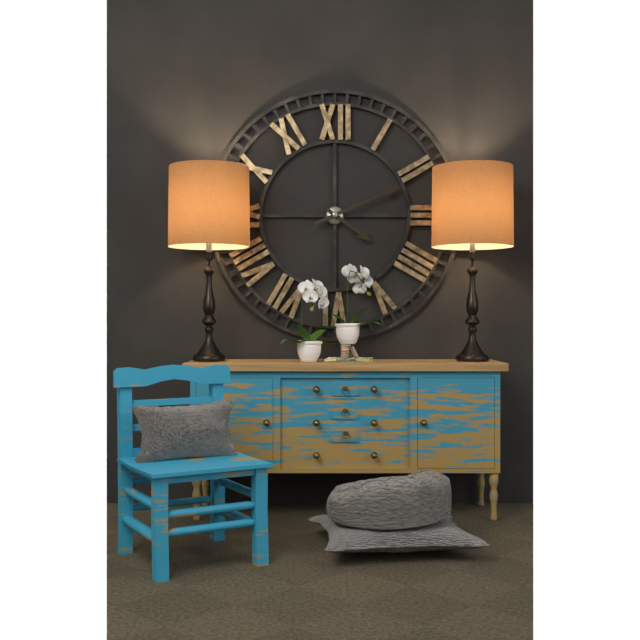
4:11
